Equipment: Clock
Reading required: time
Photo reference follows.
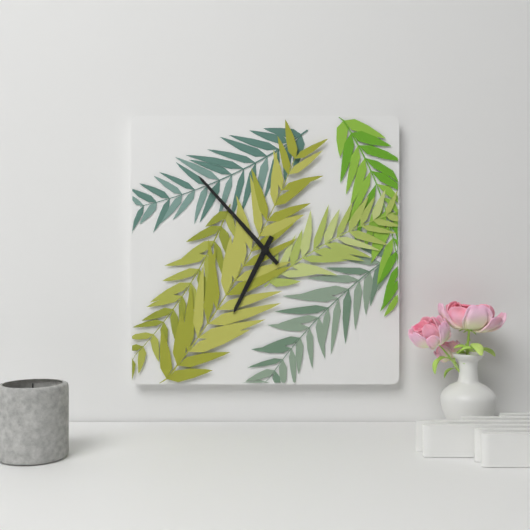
6:53
